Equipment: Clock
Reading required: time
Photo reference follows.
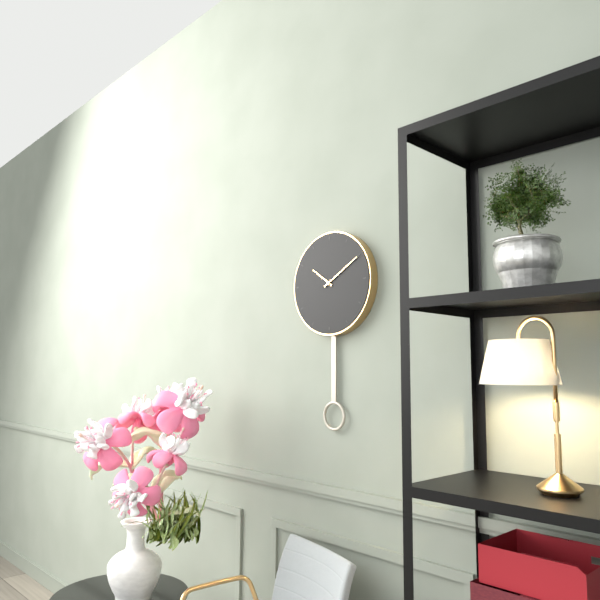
10:10
